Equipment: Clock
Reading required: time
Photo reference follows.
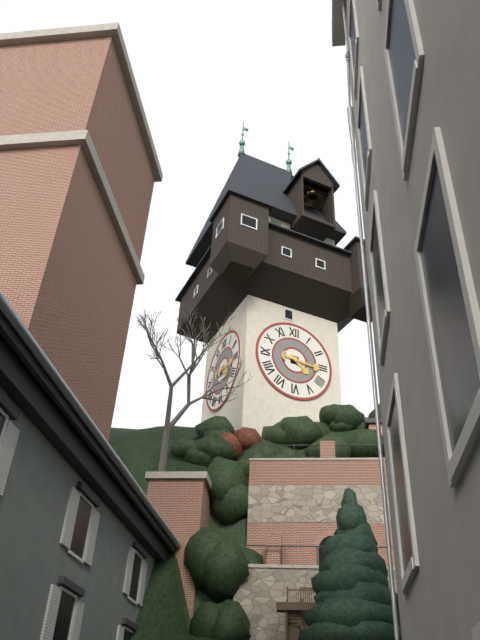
4:16
